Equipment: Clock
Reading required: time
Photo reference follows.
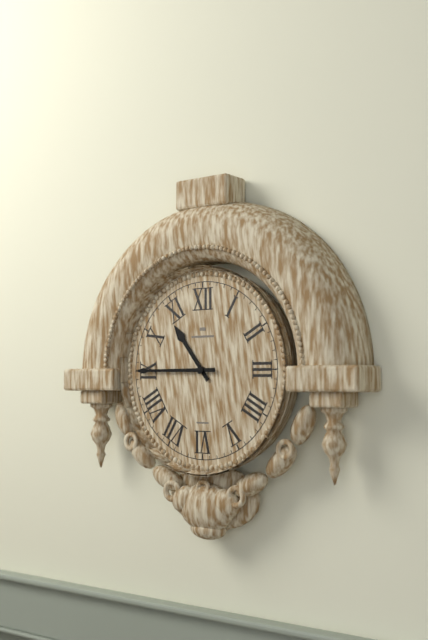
10:45
